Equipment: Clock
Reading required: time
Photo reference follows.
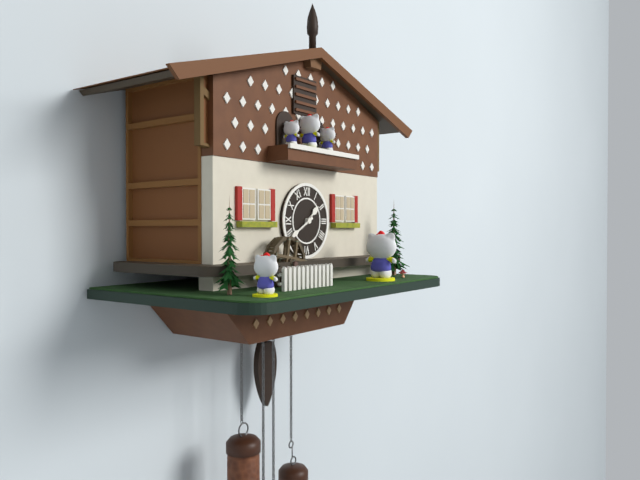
1:40
